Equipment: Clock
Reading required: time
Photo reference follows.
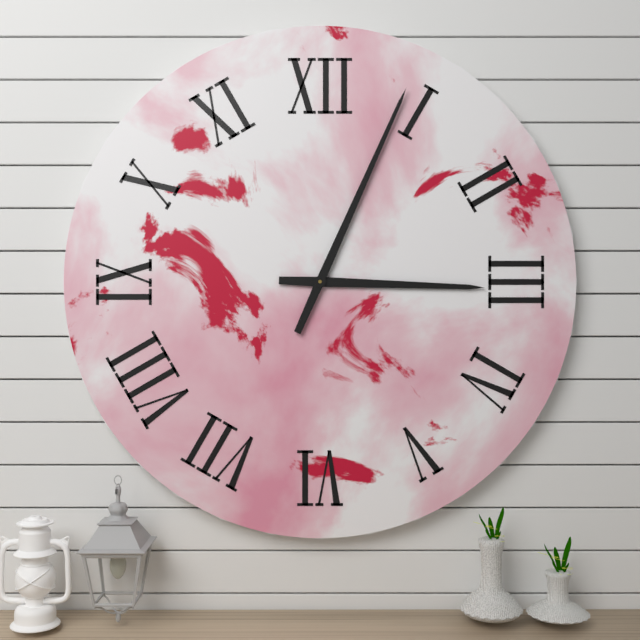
3:04
